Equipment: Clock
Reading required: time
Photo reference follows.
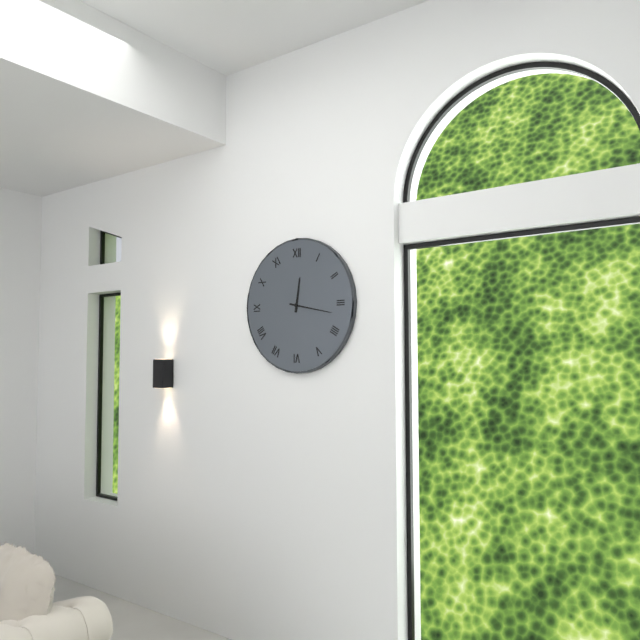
12:17
